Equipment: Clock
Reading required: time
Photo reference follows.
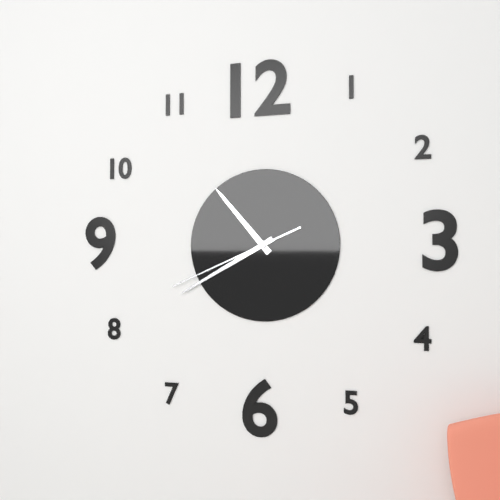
10:40:41
